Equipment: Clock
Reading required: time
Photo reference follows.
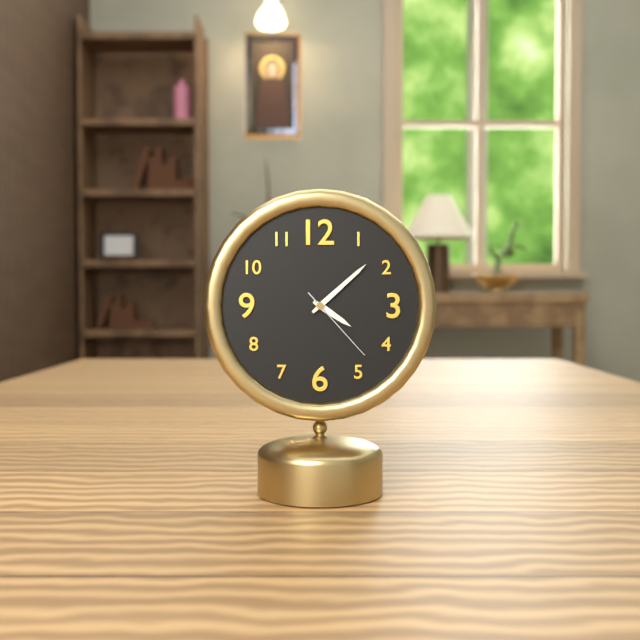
4:08:23
